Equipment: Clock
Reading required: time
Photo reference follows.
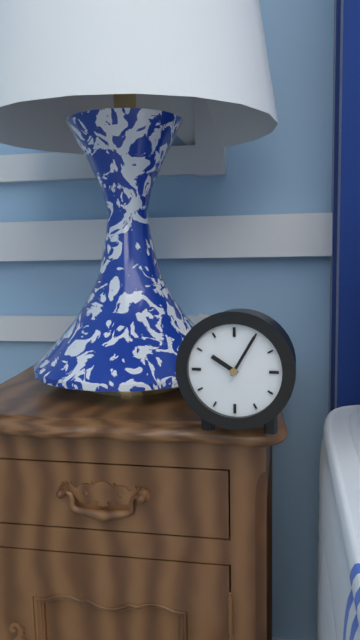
10:05
